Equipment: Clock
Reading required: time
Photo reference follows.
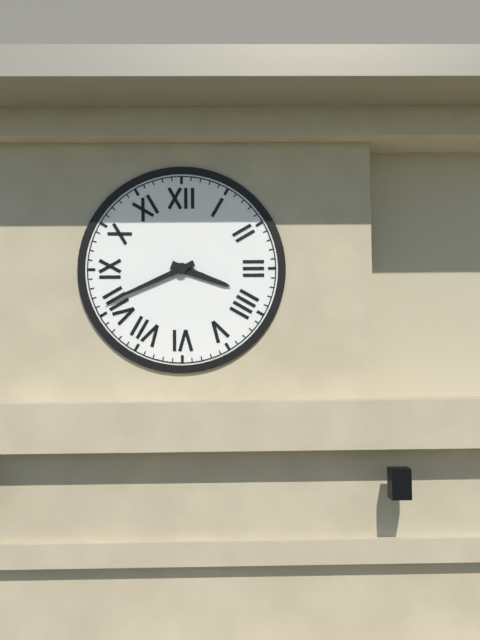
3:41
